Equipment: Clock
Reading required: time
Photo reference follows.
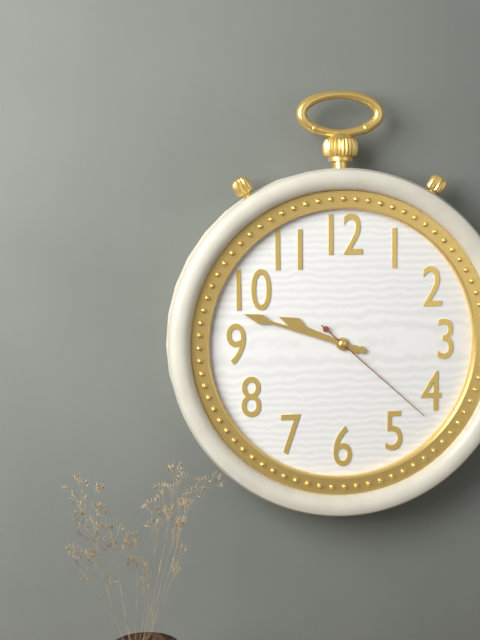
9:48:22
